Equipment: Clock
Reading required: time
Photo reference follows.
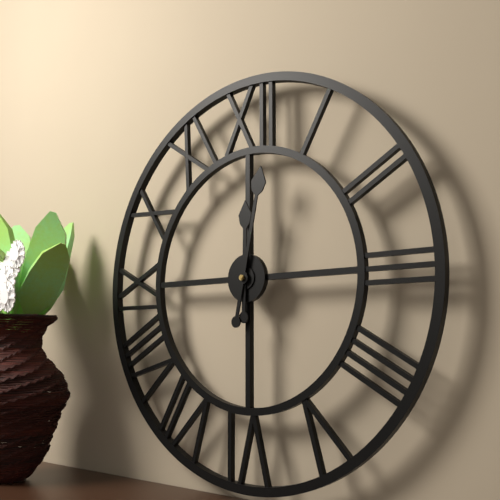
12:02
